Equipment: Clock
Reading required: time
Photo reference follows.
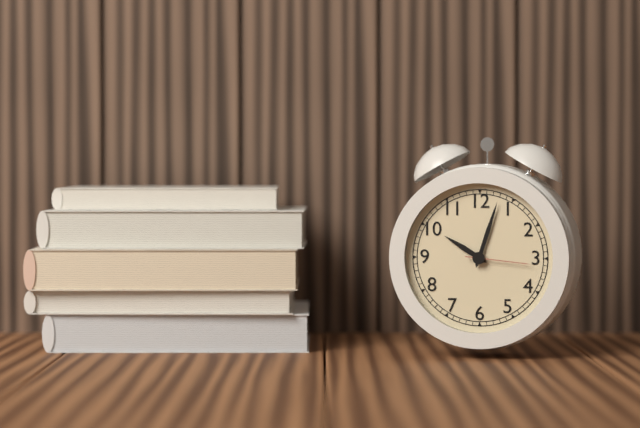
10:03:16
